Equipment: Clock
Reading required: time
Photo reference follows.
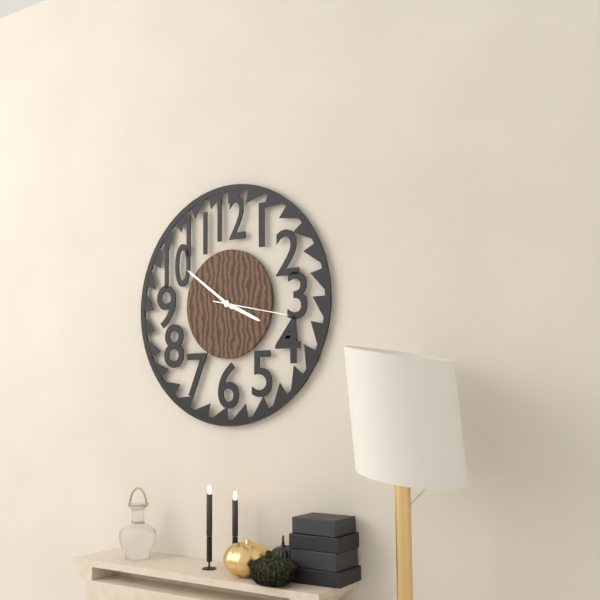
3:51:17
